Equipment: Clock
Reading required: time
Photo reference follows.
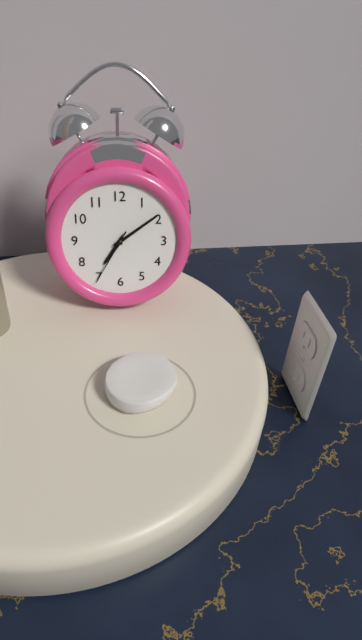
7:09:35
